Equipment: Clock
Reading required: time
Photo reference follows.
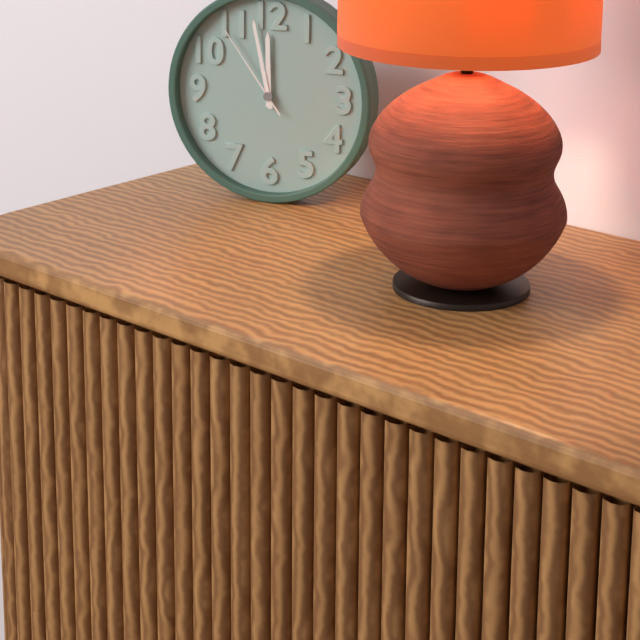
11:58:54
